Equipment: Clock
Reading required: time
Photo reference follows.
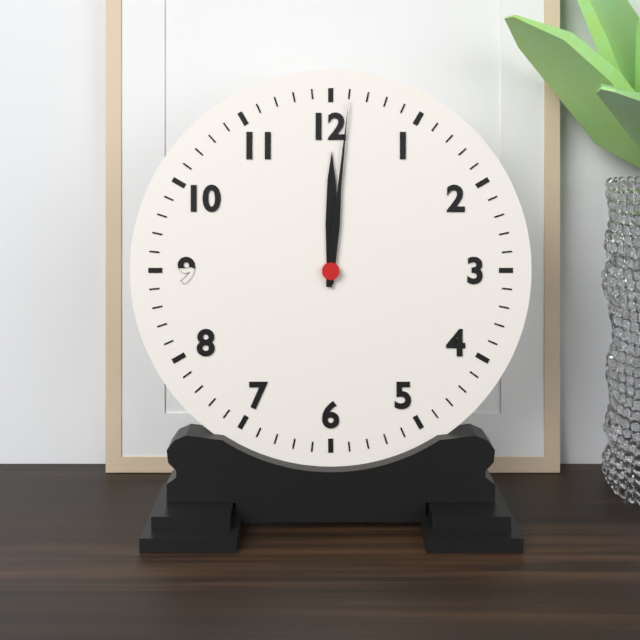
12:01
